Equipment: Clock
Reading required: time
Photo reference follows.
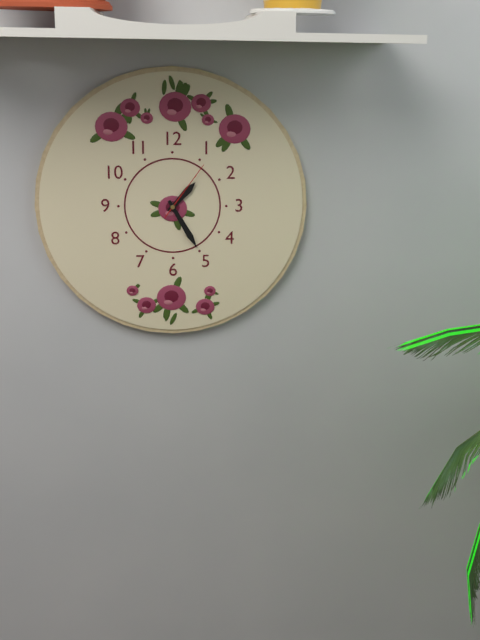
1:25:06
